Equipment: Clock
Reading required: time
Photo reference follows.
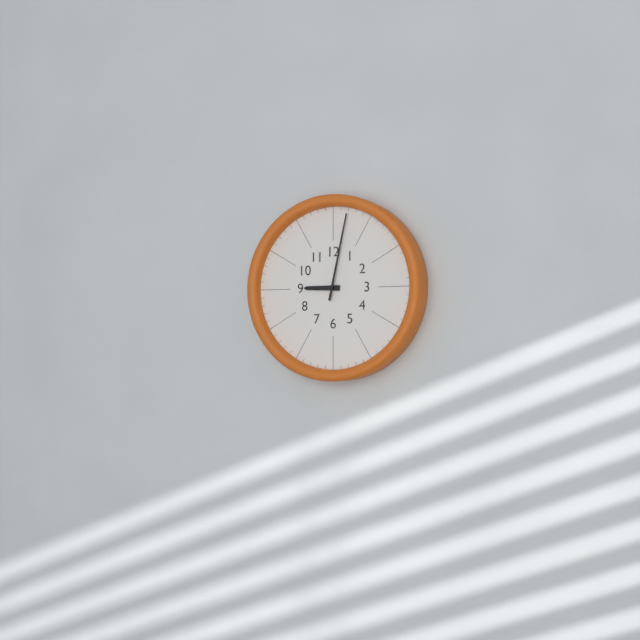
9:02
